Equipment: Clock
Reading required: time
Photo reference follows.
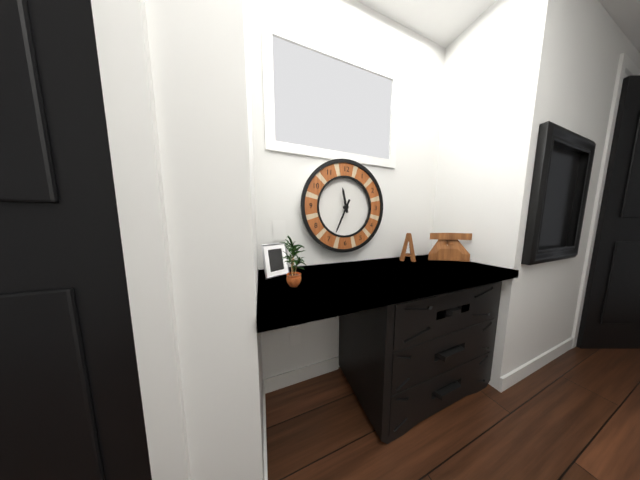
11:34
